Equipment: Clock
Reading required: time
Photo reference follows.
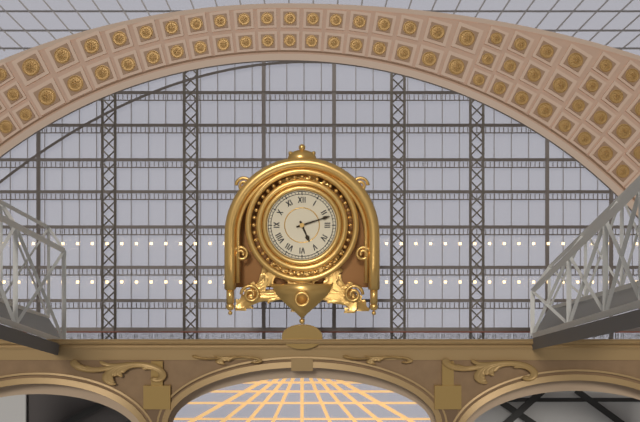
5:12
